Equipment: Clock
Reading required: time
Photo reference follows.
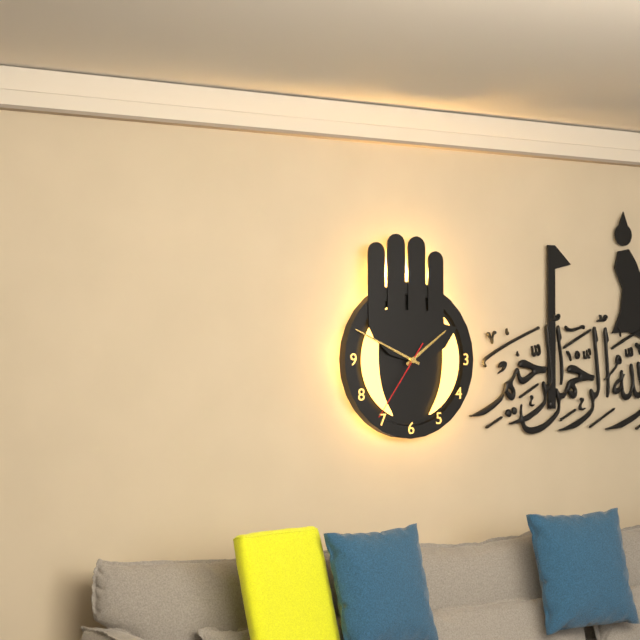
1:49:36
